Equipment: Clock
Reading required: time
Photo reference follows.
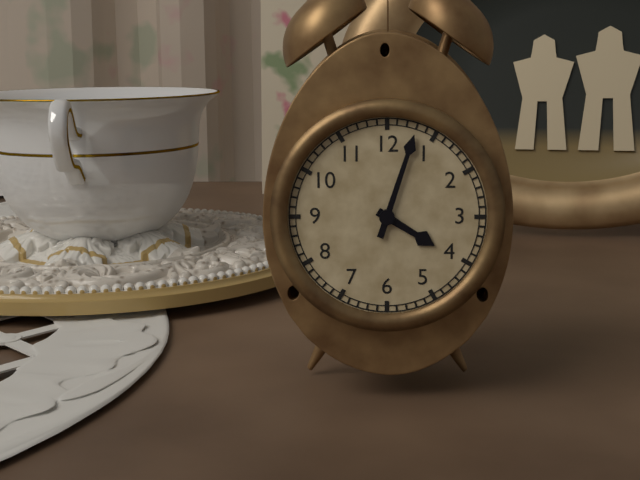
4:03
